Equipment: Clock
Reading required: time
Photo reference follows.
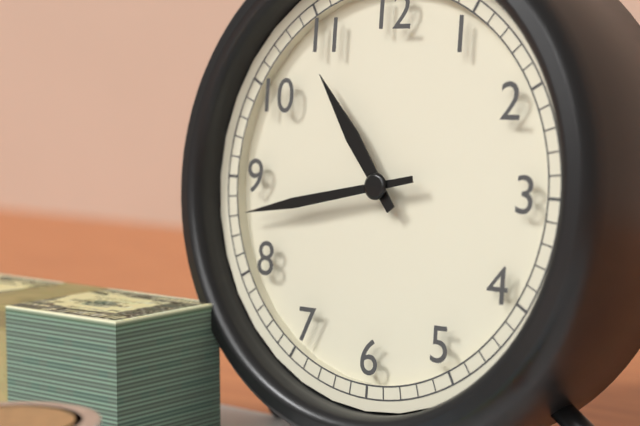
10:43
